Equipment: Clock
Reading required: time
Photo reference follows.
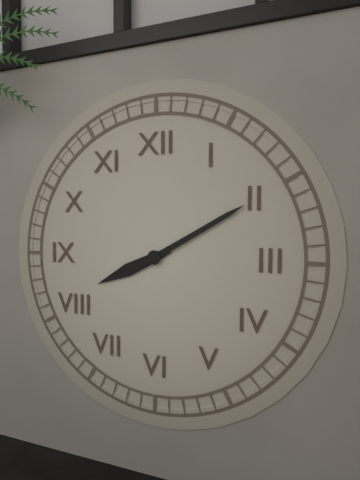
8:10
